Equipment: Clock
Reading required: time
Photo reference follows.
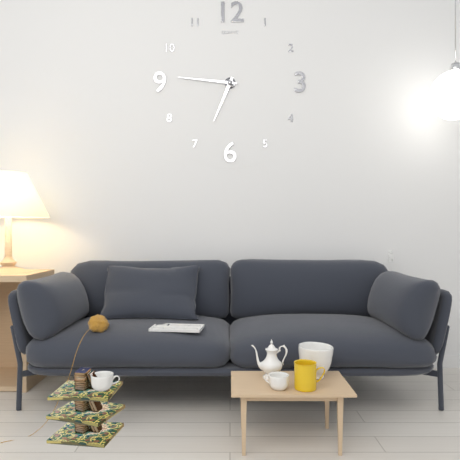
6:46
